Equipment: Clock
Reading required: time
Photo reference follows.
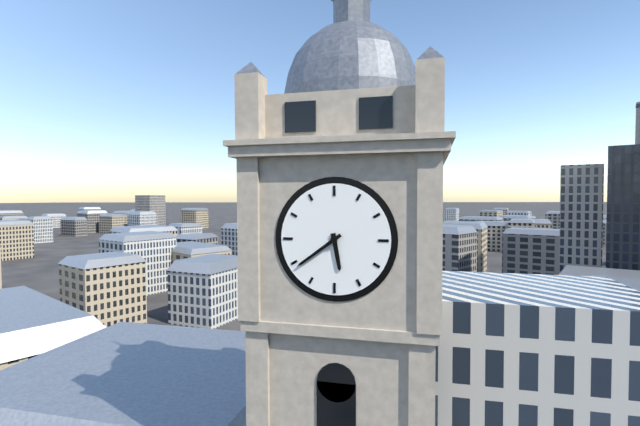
5:39
